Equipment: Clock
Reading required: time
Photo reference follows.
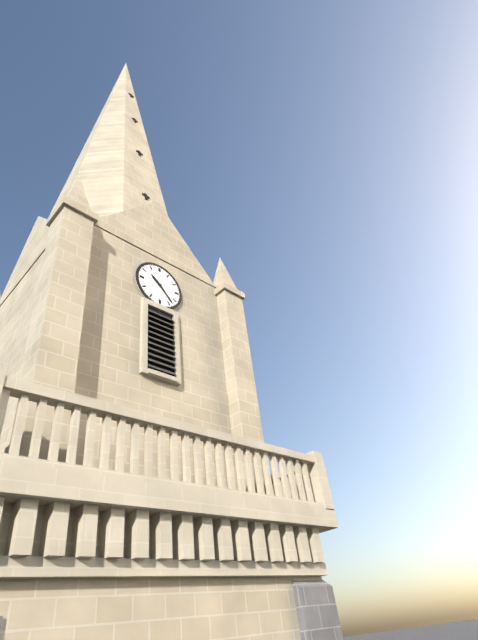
10:23
